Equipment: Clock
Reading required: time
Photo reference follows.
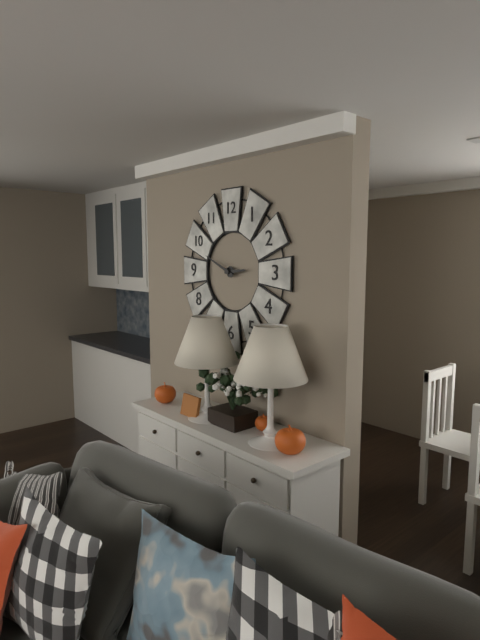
2:49
